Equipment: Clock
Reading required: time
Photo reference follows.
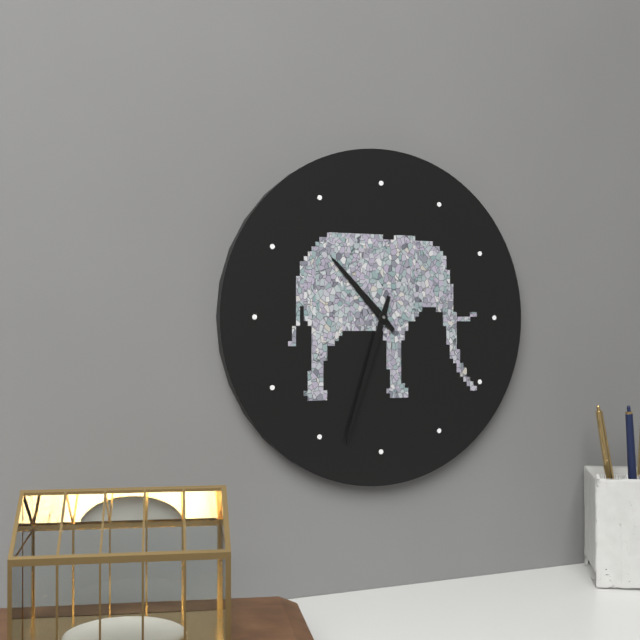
10:33
